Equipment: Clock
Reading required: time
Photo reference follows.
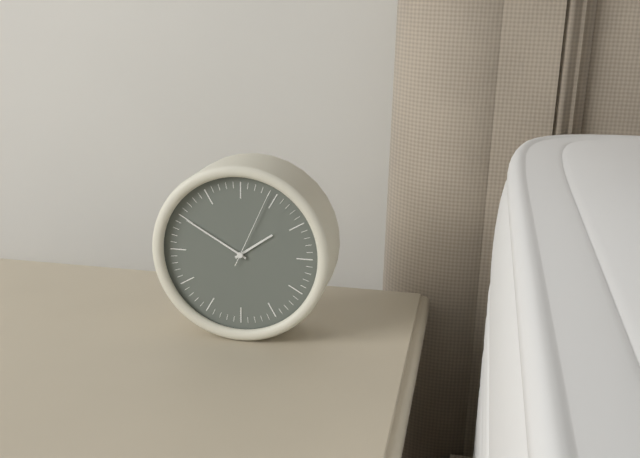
1:50:04
